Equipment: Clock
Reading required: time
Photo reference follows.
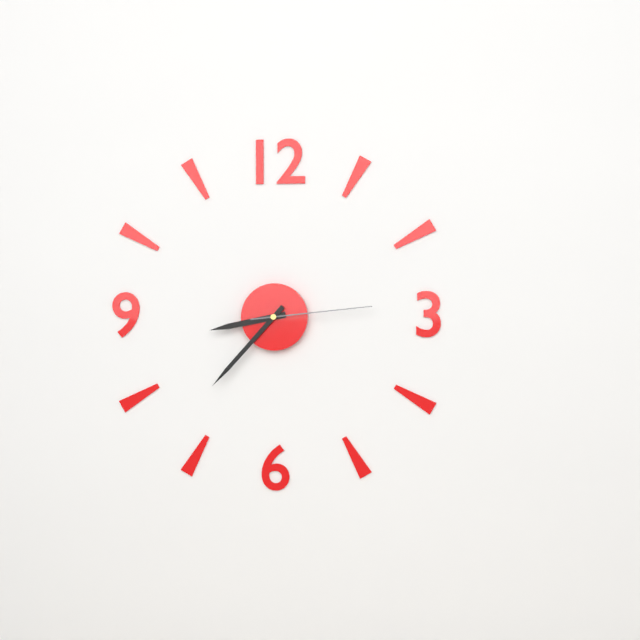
8:37:14
